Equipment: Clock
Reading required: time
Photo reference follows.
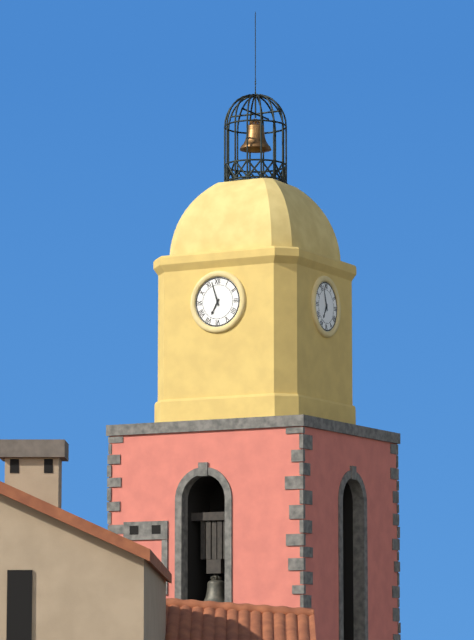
6:57
